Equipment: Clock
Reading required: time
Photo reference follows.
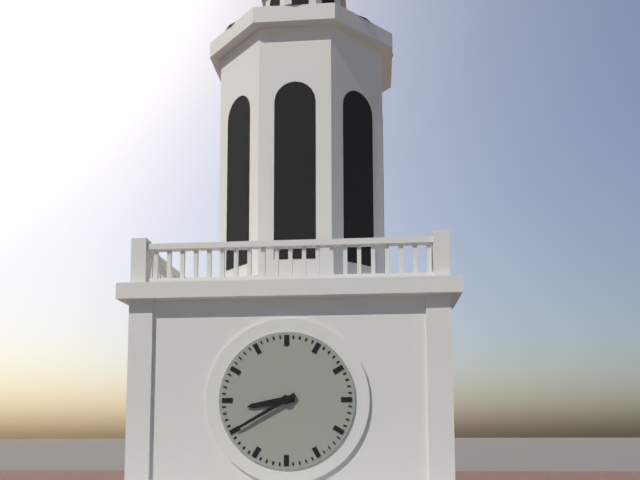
8:40
